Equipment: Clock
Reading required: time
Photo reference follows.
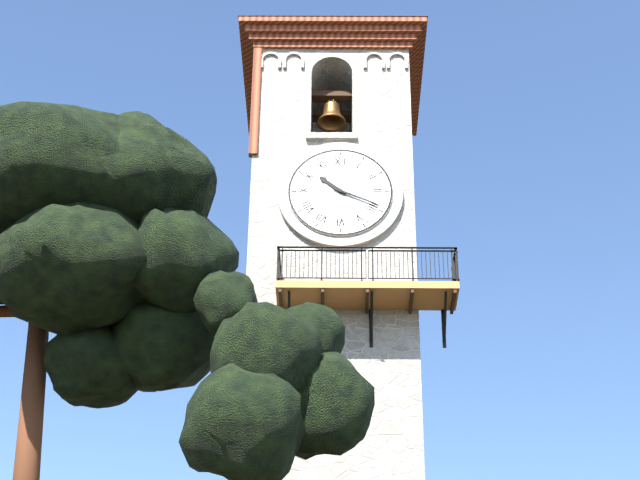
10:19
